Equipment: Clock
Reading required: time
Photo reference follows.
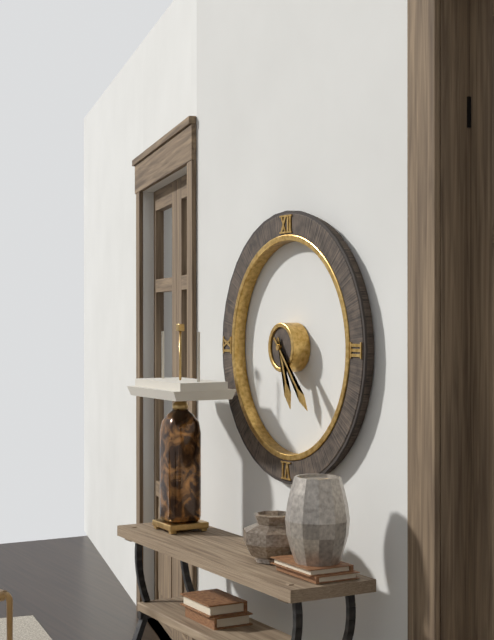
5:23
